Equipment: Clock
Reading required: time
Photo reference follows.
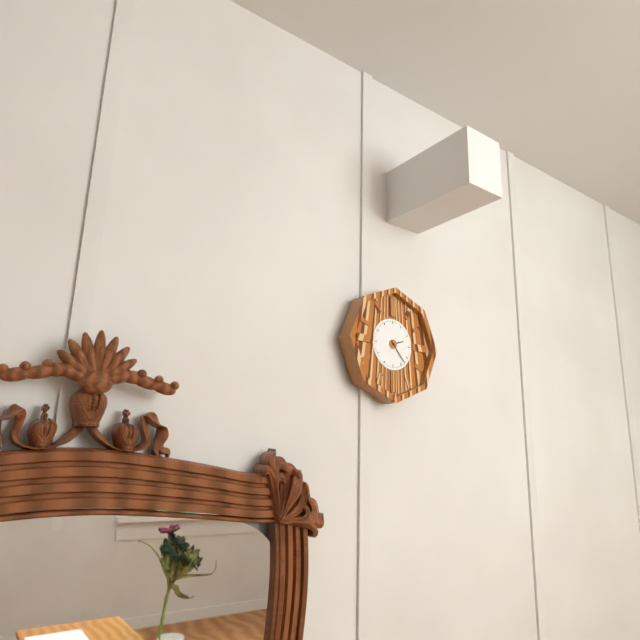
2:23
